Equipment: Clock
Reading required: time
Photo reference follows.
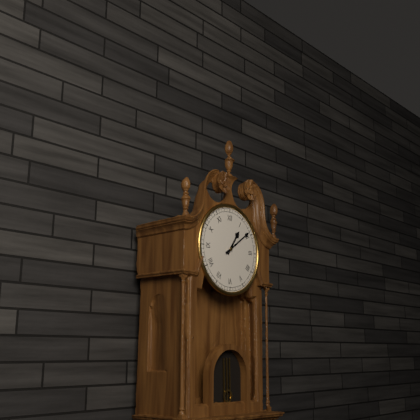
1:09
